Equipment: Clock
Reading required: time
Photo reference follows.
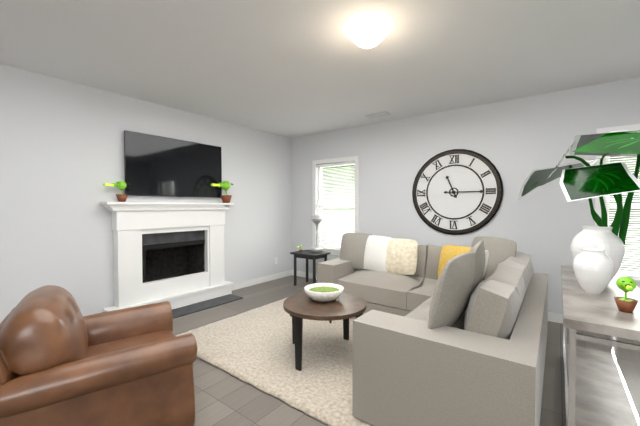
11:15
